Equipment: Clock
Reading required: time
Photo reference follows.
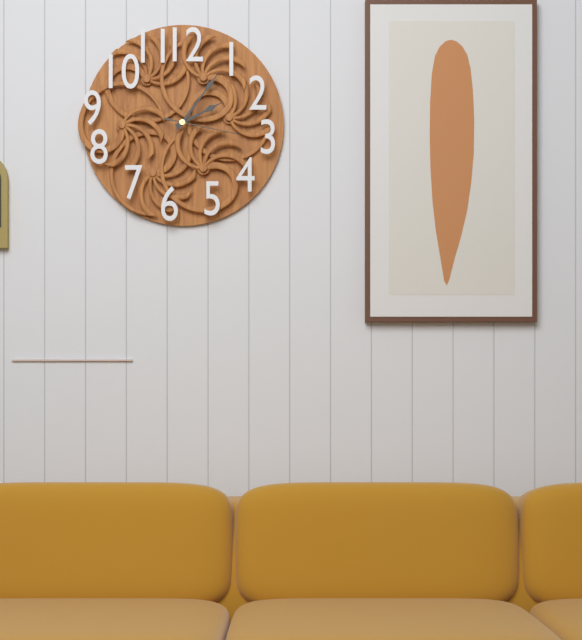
2:06:17
